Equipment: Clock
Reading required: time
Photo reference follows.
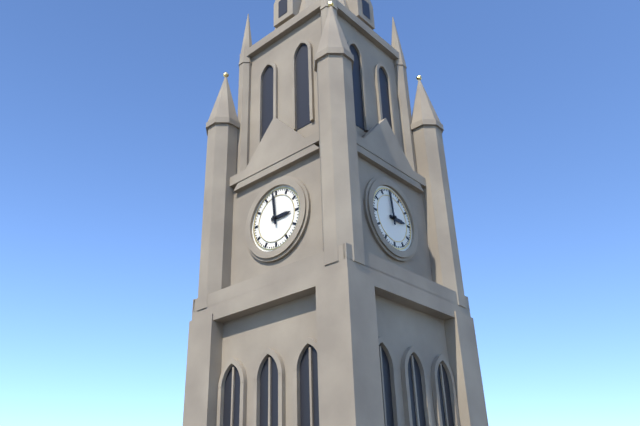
2:59
